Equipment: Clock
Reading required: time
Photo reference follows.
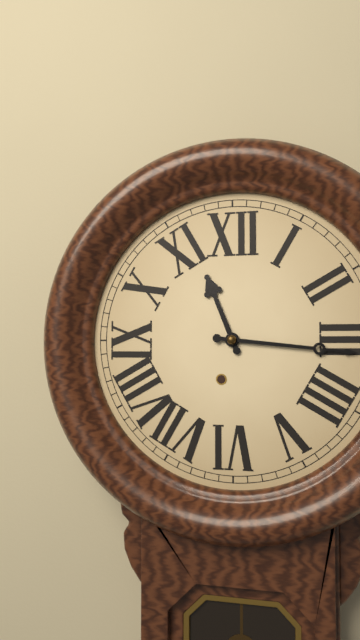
11:16
